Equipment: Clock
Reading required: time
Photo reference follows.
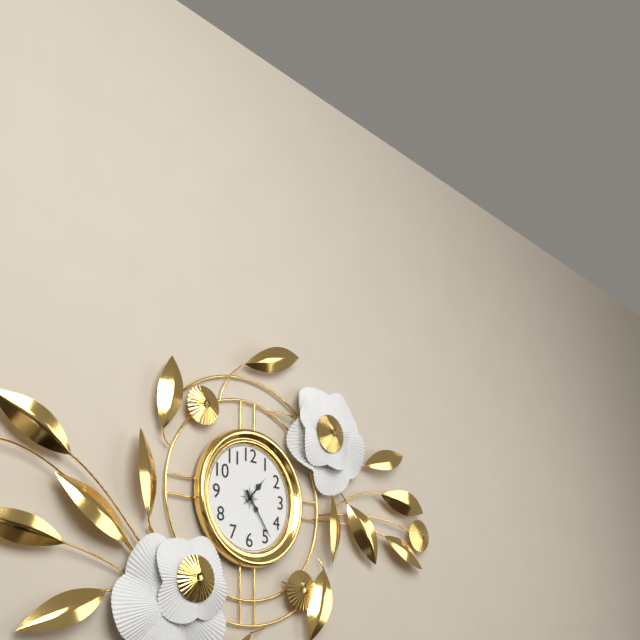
1:24
